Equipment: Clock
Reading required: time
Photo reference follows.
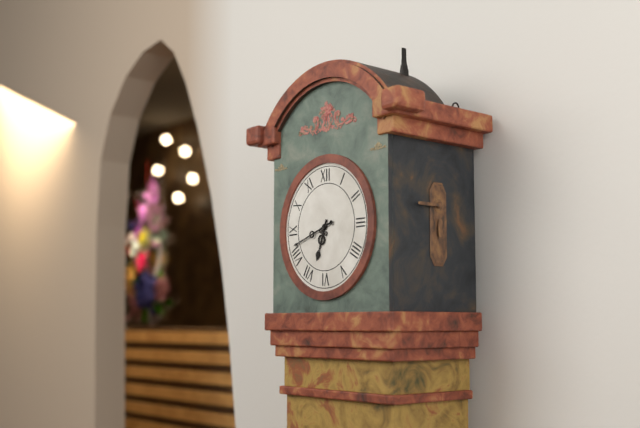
6:42
